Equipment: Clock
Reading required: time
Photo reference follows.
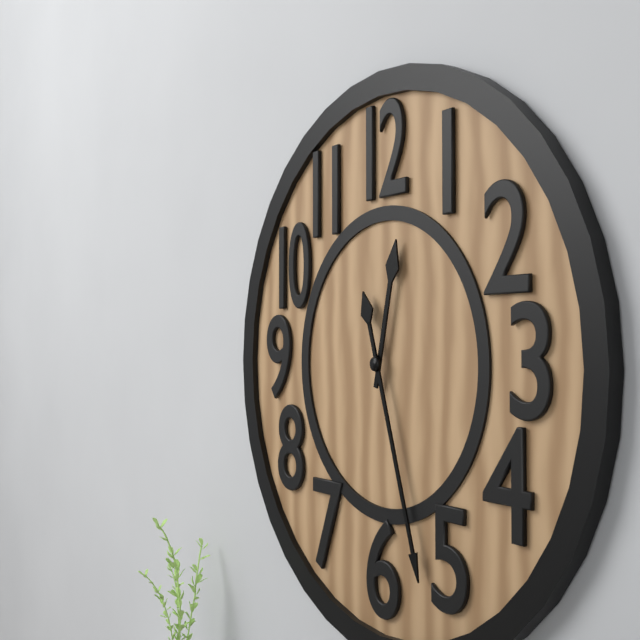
12:27
